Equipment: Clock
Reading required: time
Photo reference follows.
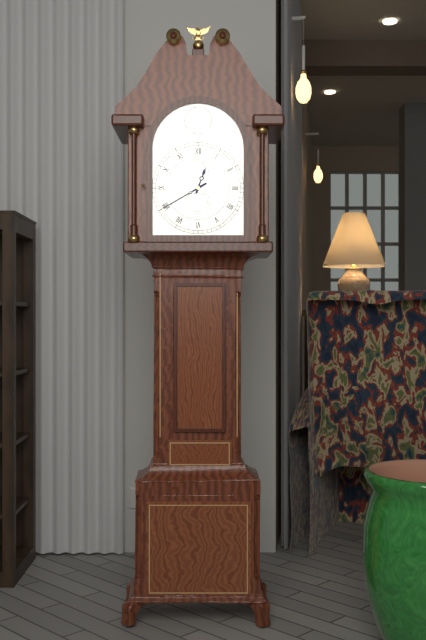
12:40
